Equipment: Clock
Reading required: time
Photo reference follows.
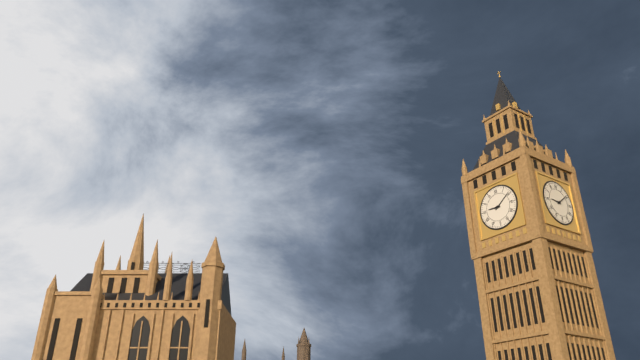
9:09
